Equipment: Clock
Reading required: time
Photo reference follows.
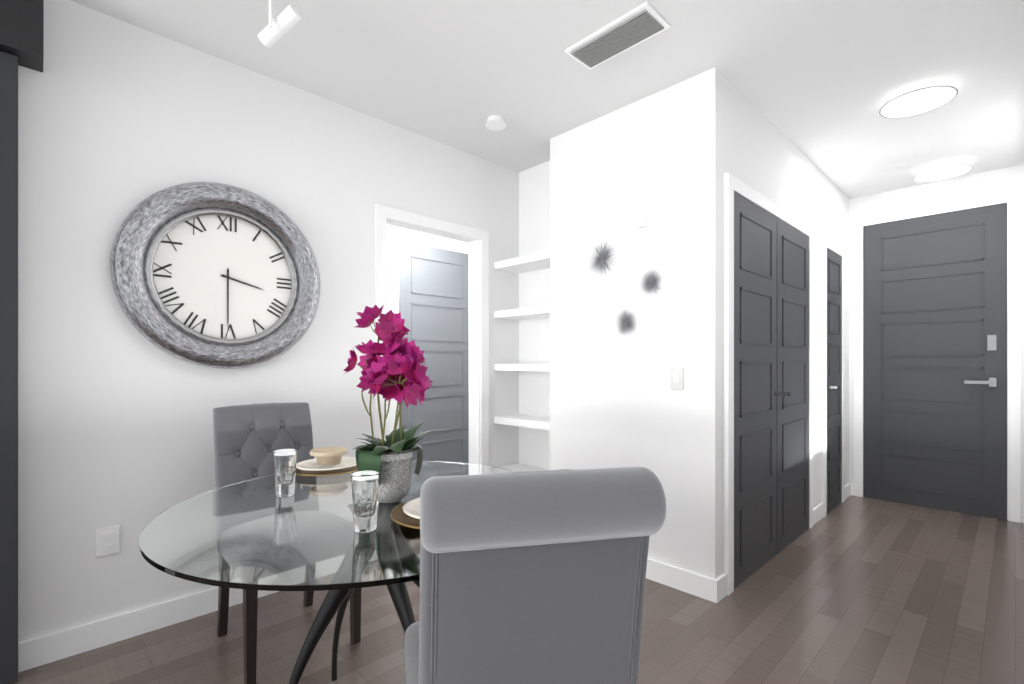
3:30
